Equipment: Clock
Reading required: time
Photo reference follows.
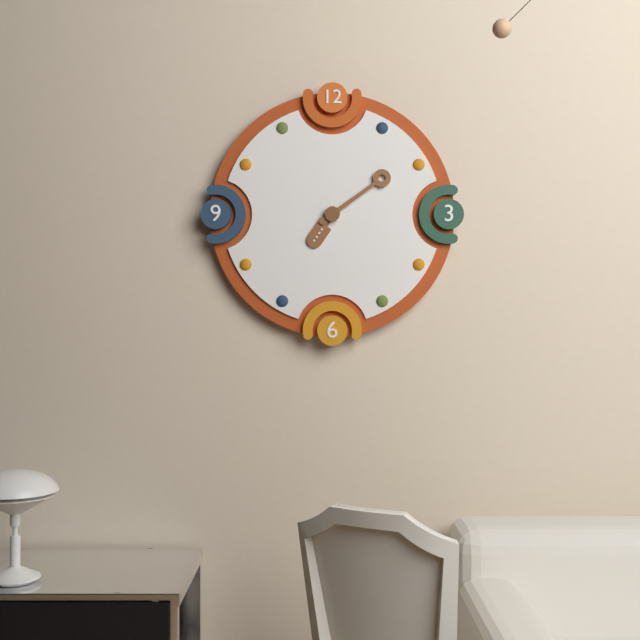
7:09
